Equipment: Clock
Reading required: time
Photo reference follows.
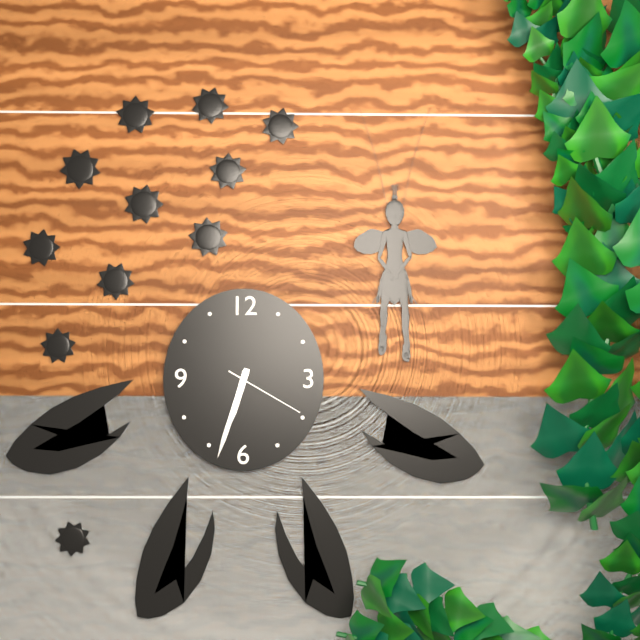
6:33:20
